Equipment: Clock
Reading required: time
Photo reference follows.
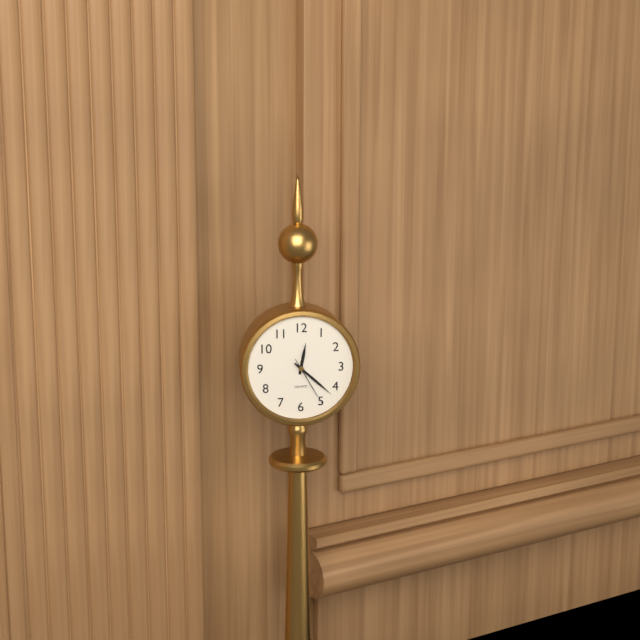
12:22:25
